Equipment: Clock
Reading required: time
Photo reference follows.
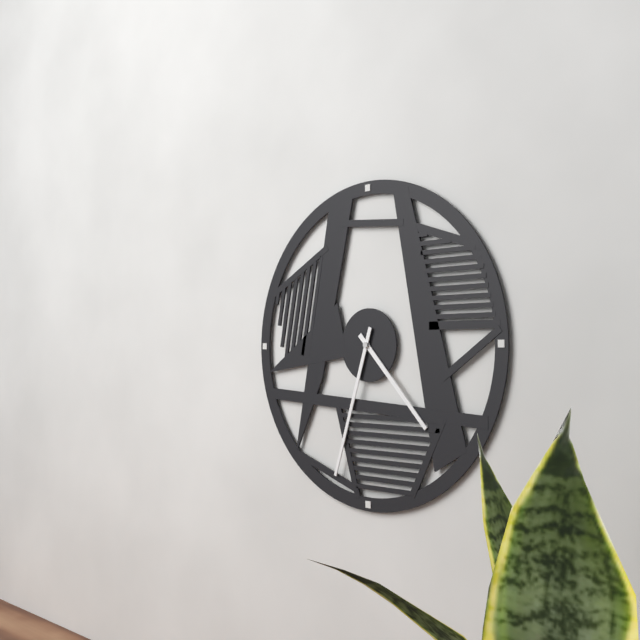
4:33
